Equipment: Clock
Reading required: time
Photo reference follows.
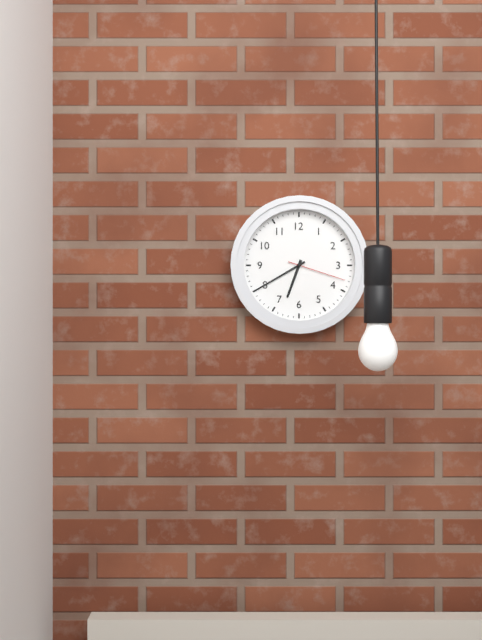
6:40:18
